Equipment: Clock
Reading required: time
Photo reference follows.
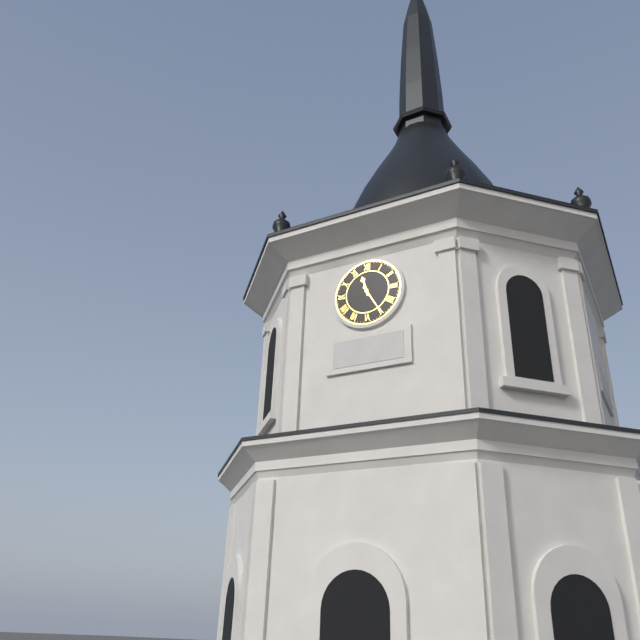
11:25
